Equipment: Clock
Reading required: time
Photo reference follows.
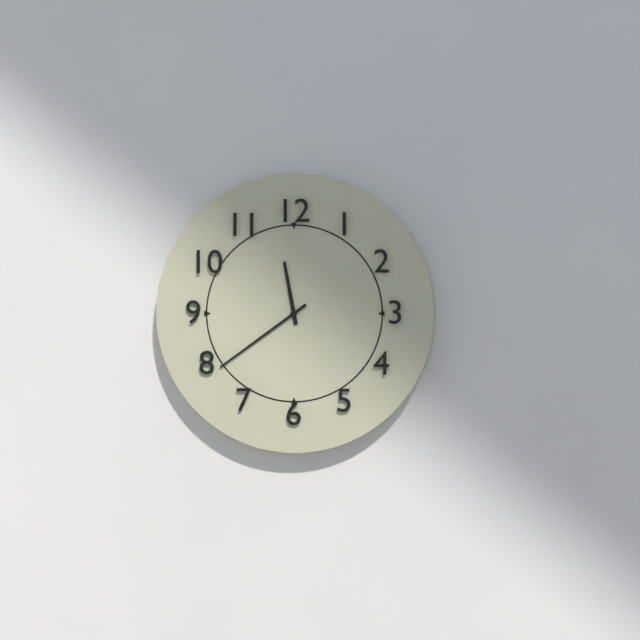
11:39
